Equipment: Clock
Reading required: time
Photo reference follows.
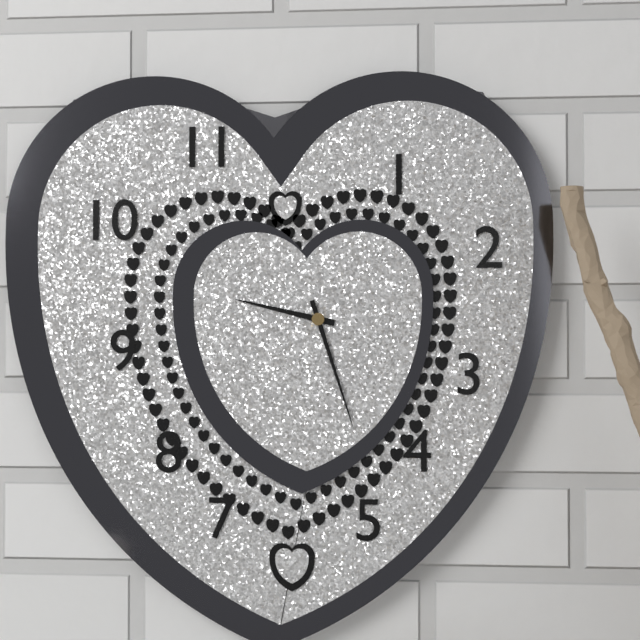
9:27
